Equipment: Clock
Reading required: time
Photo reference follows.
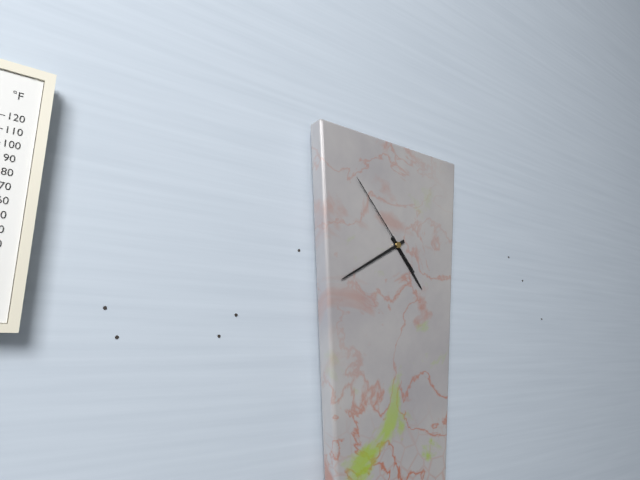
4:40:53
